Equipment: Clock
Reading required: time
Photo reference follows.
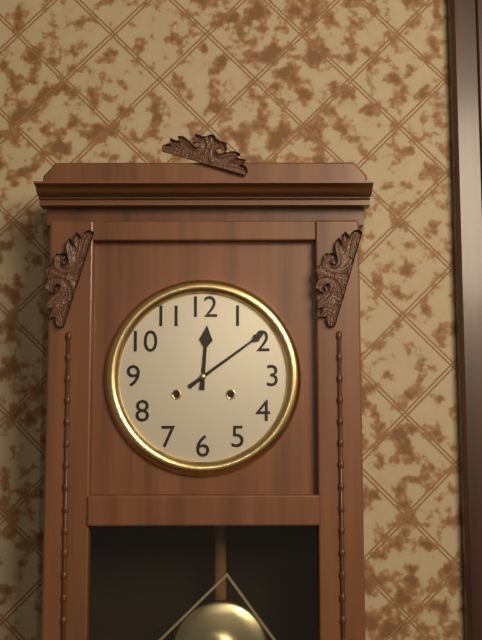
12:09
